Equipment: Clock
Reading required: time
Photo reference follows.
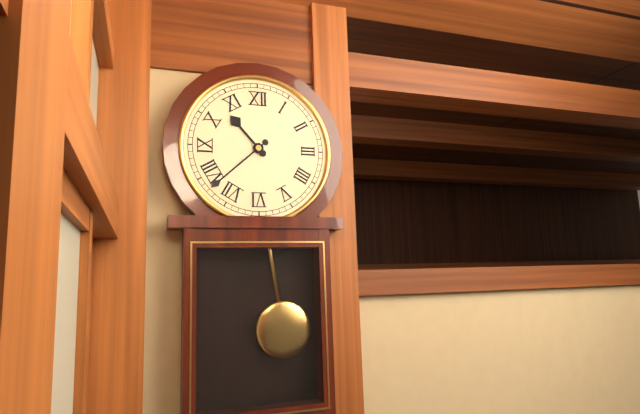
10:38
